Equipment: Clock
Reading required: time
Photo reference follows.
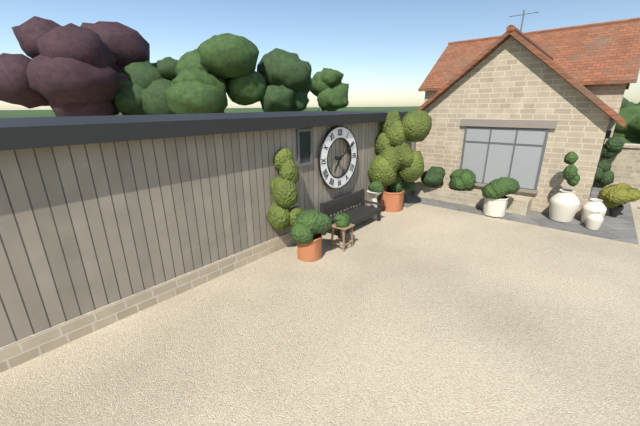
7:10
